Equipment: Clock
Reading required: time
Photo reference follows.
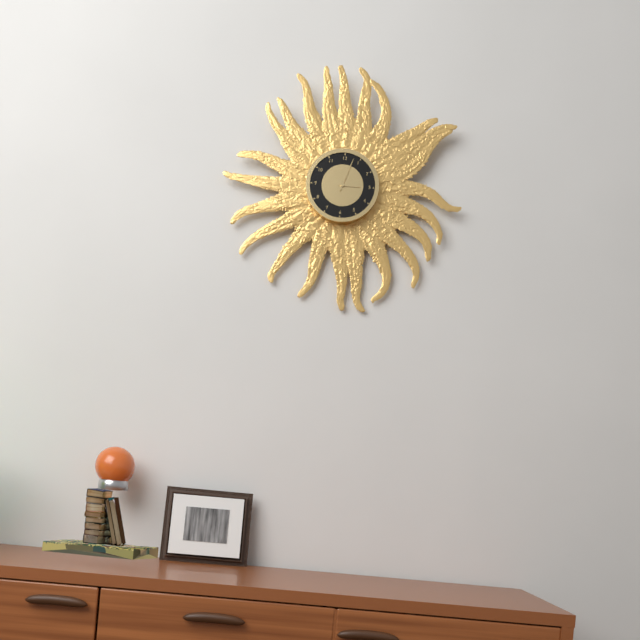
3:03
